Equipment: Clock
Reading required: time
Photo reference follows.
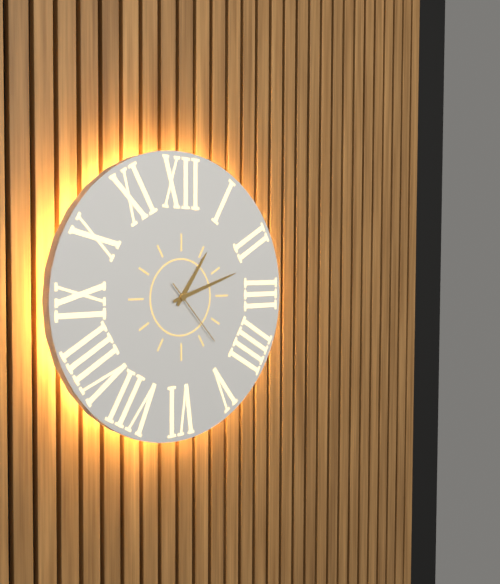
1:12:23
